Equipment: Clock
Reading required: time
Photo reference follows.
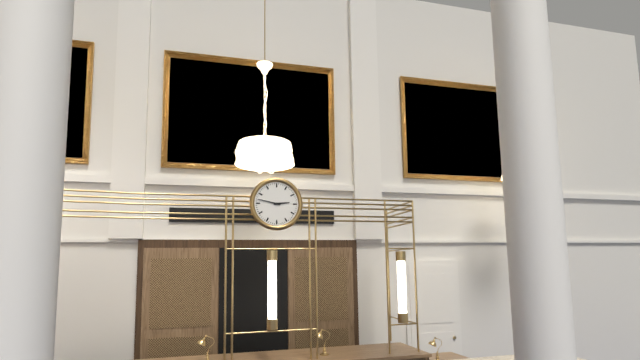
2:47
